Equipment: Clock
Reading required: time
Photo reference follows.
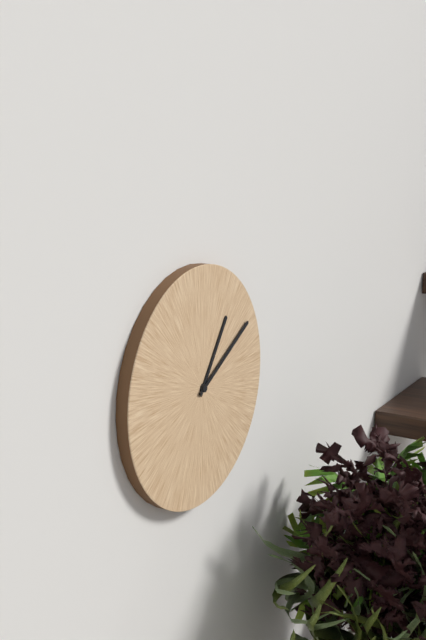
1:10
